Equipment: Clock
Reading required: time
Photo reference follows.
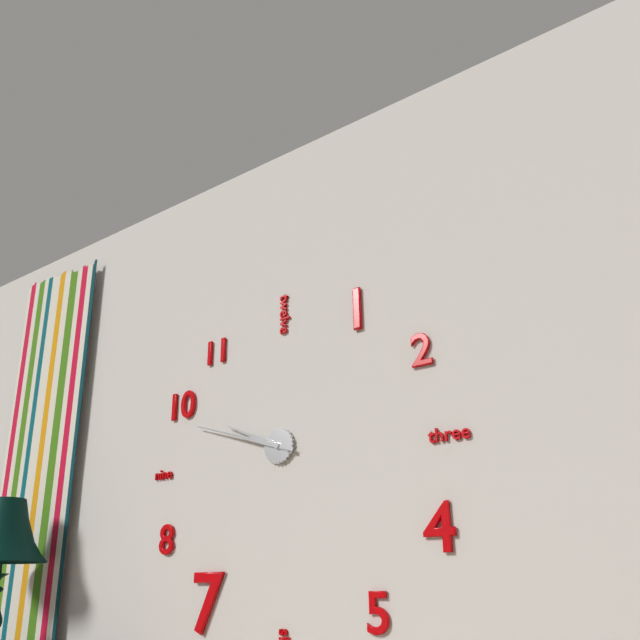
9:48
